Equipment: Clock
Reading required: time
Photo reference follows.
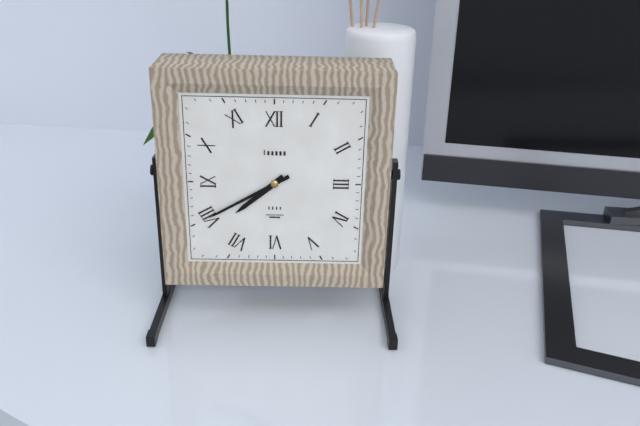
7:40
